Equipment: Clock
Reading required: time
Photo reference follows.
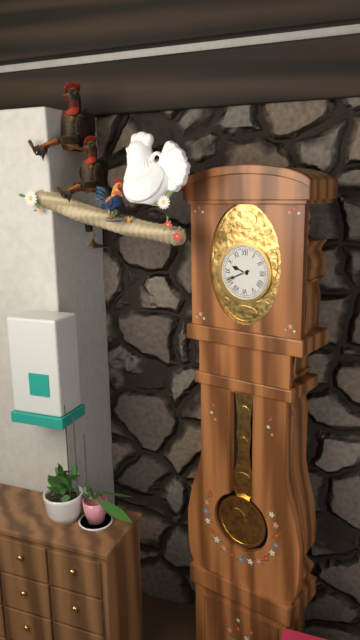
9:41
